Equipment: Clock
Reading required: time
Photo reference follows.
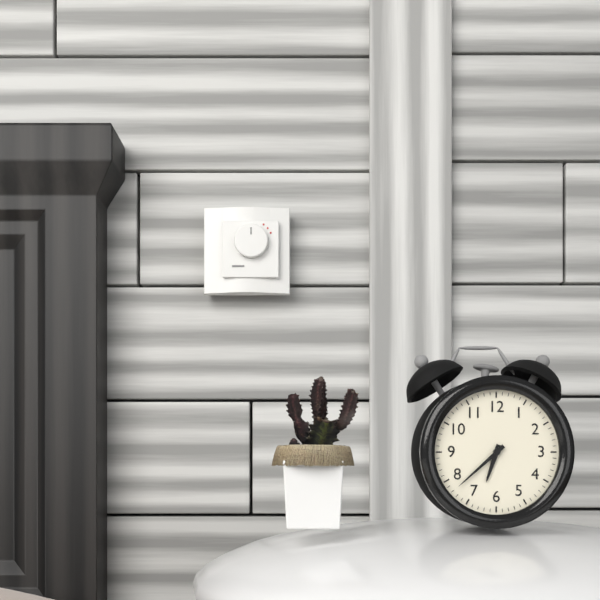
6:38
